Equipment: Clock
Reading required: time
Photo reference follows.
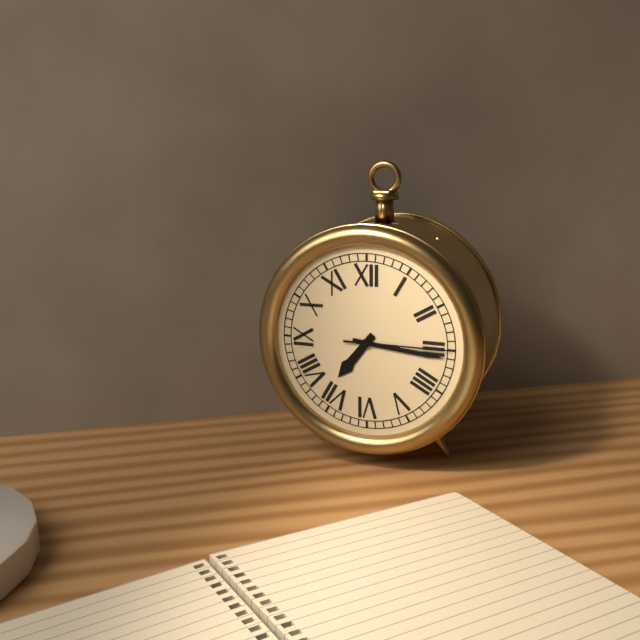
7:16:15
